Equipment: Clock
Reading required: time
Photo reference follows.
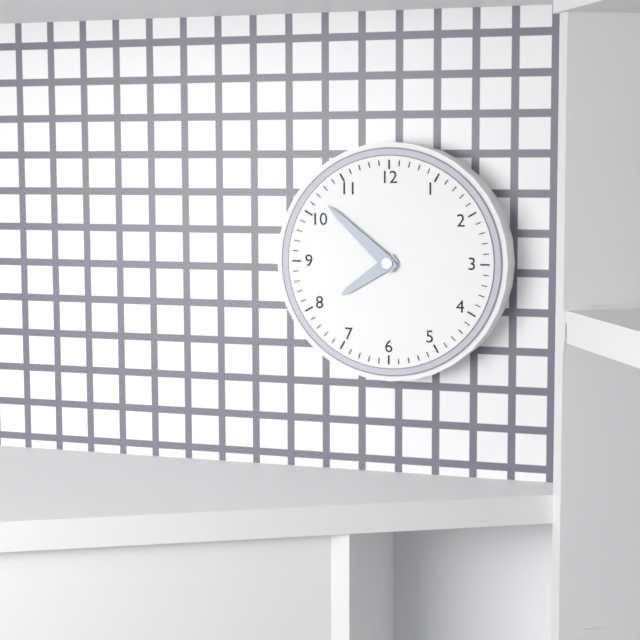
7:52
